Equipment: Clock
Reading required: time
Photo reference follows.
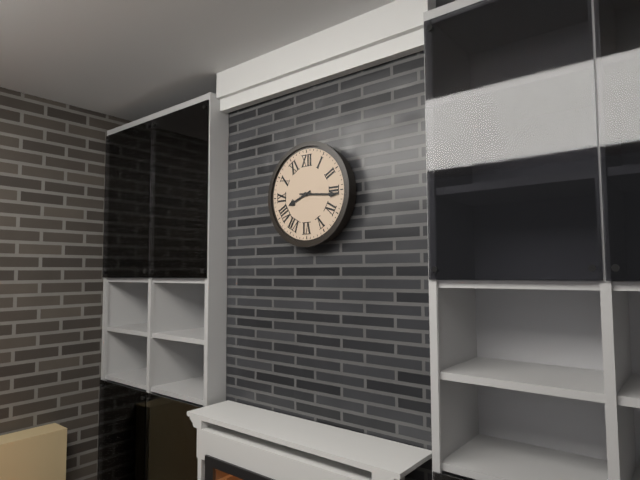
8:16
